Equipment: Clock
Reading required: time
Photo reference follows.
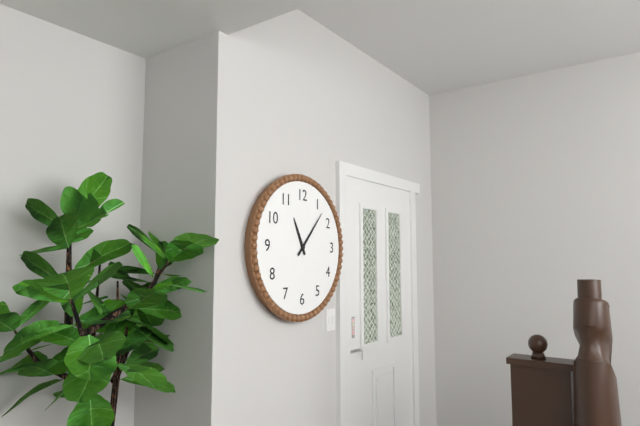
11:07
